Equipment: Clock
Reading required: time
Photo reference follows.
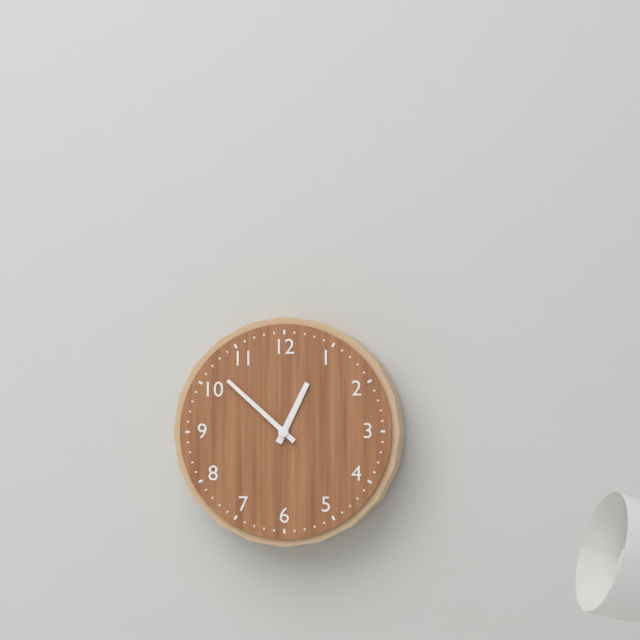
12:52
